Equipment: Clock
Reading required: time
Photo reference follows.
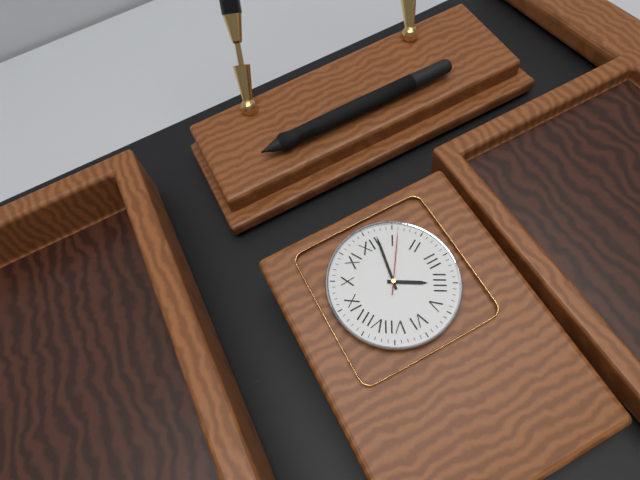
4:02:06
